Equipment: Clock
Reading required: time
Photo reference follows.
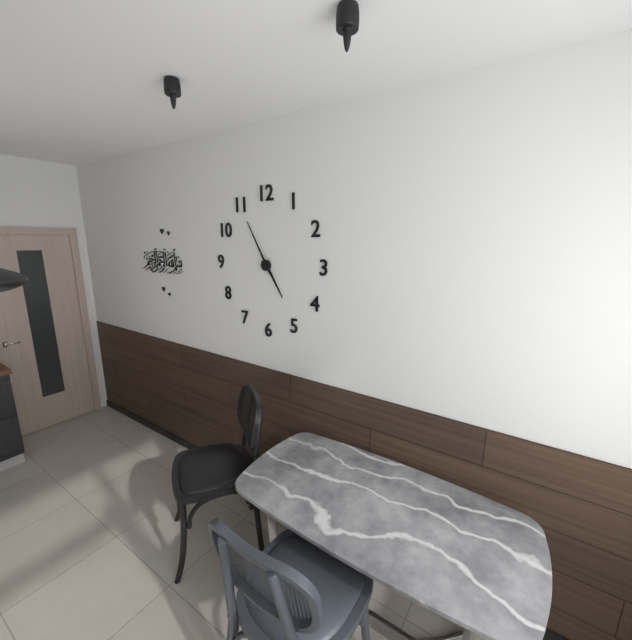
4:55
